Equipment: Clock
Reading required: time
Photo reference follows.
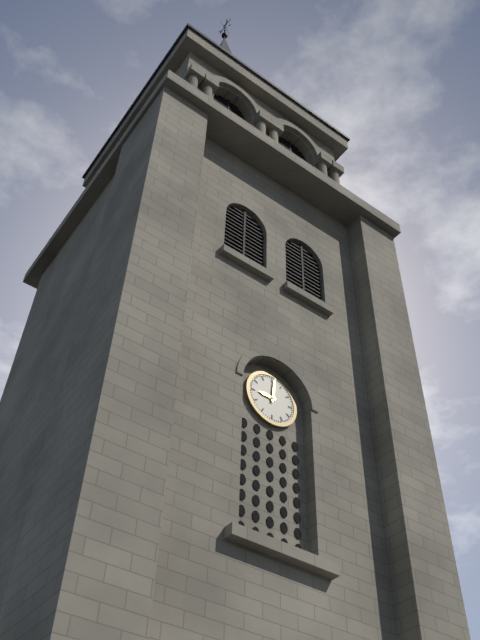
9:01
